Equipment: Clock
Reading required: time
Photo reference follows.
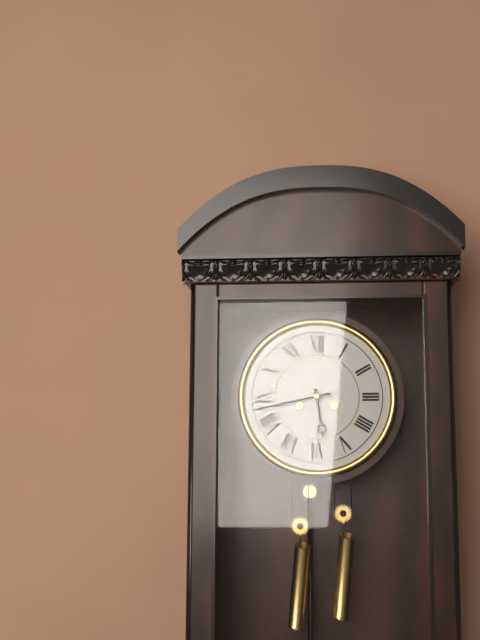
5:43
